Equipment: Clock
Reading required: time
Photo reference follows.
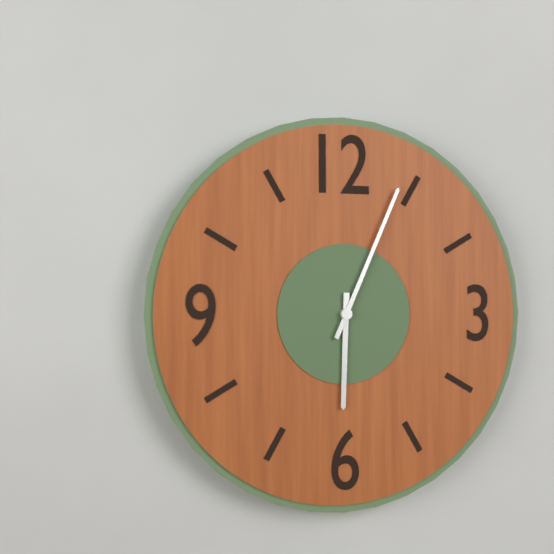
6:04
